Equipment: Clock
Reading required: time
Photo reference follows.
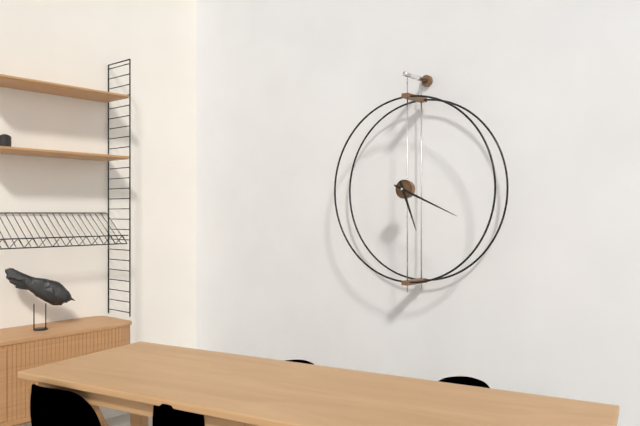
5:19
